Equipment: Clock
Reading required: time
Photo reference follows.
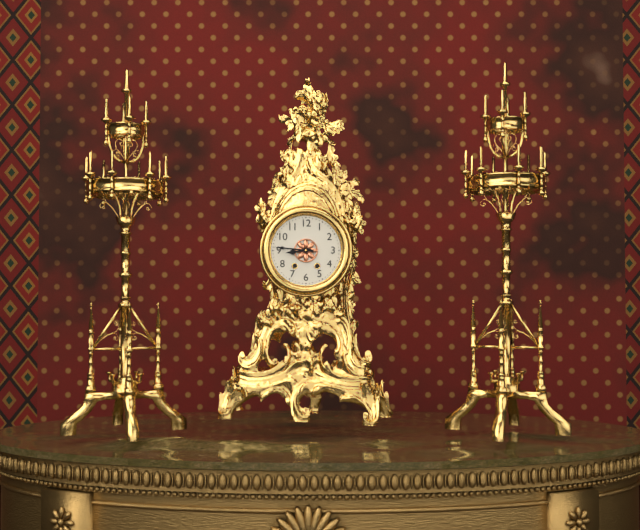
8:46
